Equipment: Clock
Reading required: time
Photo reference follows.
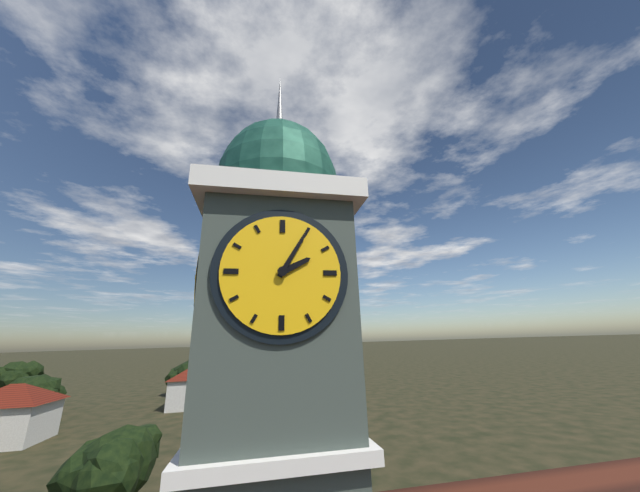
2:05
